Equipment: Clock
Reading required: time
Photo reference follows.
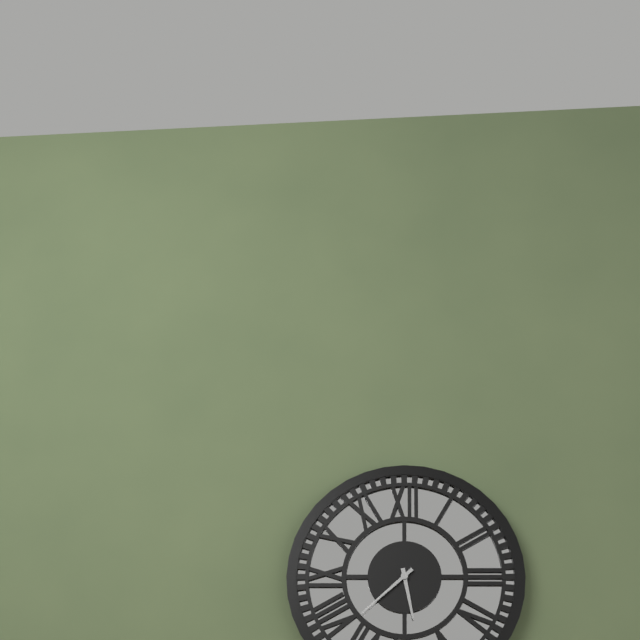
5:38
